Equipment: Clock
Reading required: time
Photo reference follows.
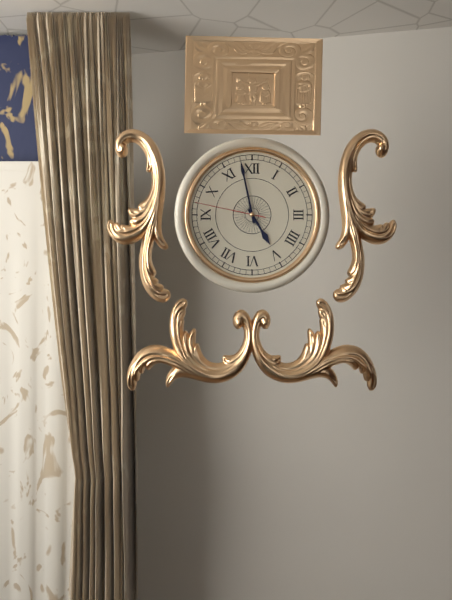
4:58:47
